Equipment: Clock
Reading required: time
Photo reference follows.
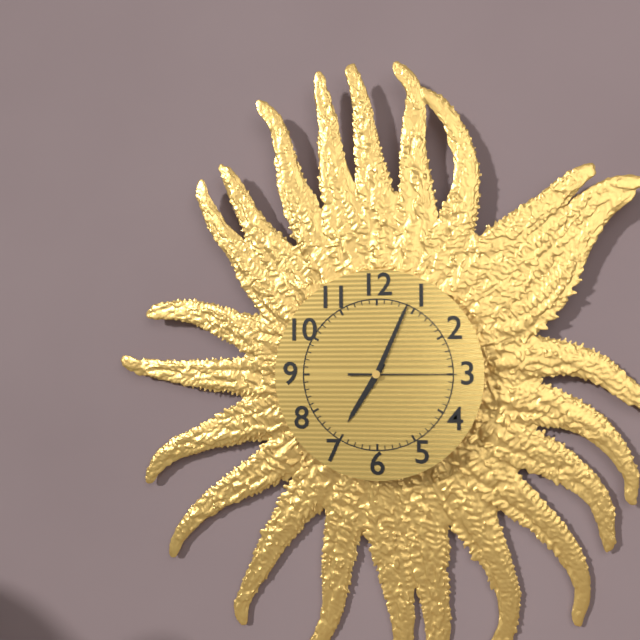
7:04:15
